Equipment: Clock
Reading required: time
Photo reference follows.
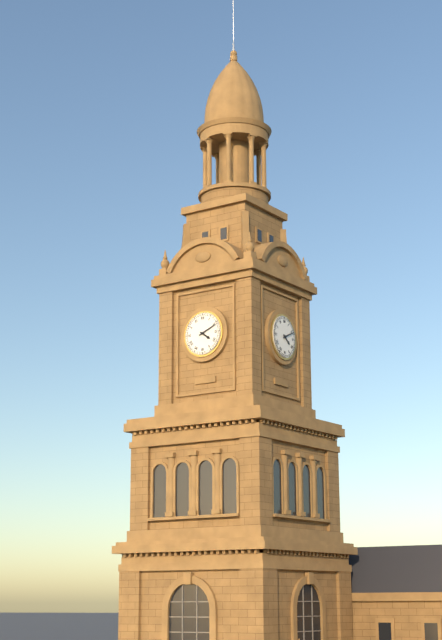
4:11
